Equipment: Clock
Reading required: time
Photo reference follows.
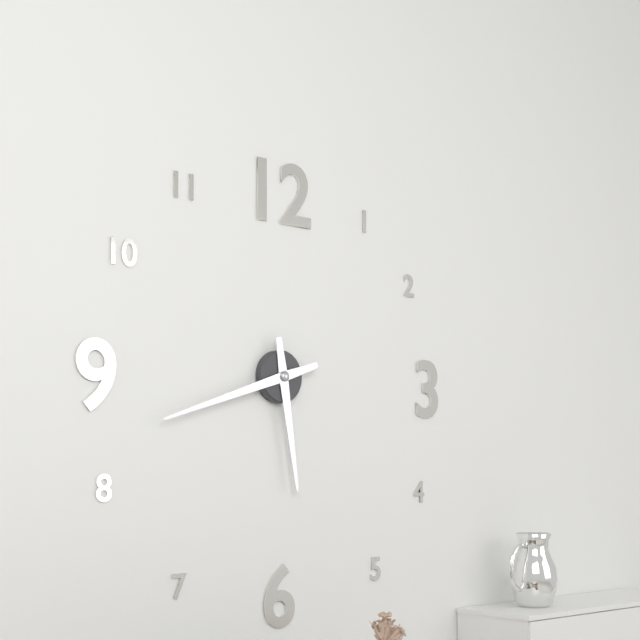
5:42
